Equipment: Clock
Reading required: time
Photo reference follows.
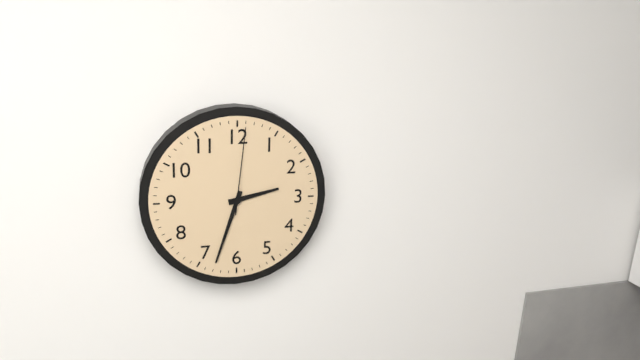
2:33:01
